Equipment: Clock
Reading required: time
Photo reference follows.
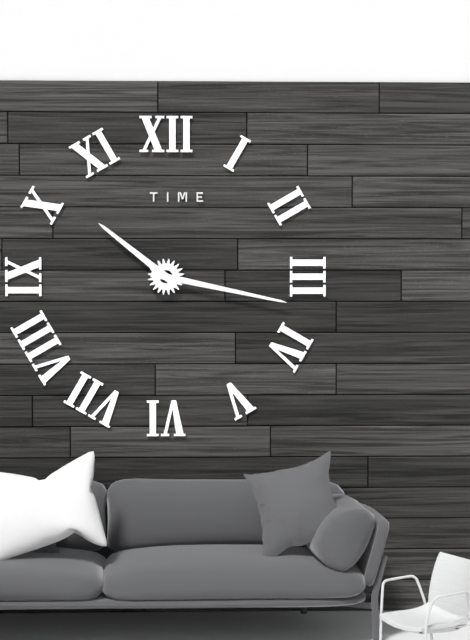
10:17
